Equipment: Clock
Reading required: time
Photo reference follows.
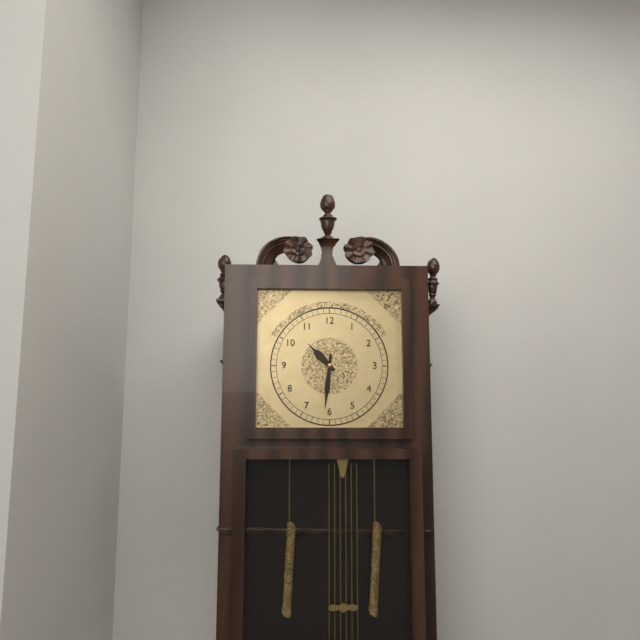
10:31
